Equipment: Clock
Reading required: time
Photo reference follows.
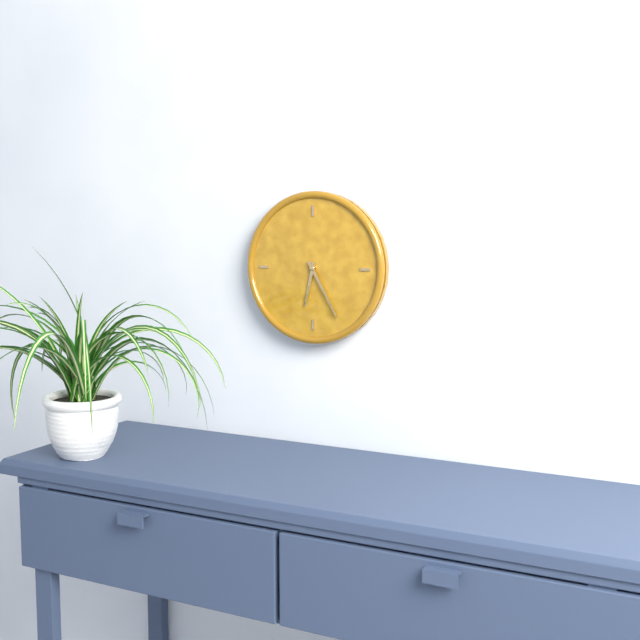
6:25
